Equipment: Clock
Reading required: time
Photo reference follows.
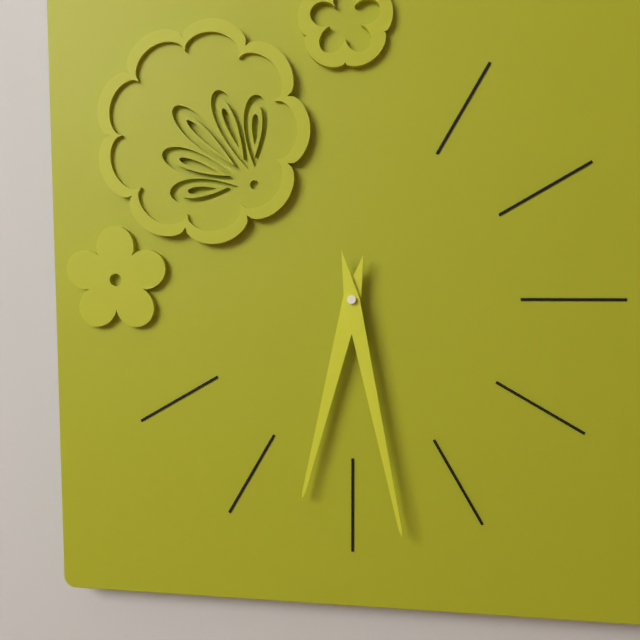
6:28
